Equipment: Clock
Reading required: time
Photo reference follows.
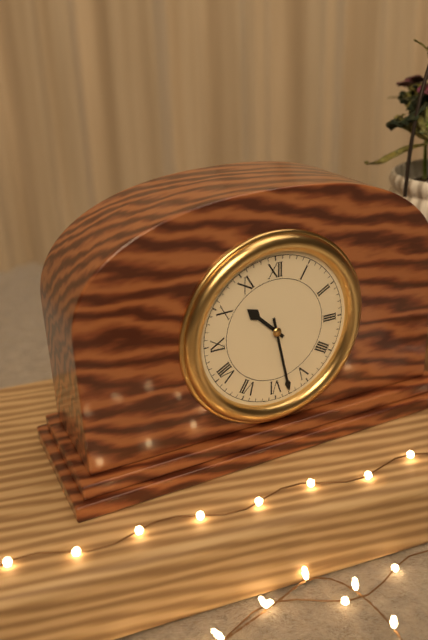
10:28
